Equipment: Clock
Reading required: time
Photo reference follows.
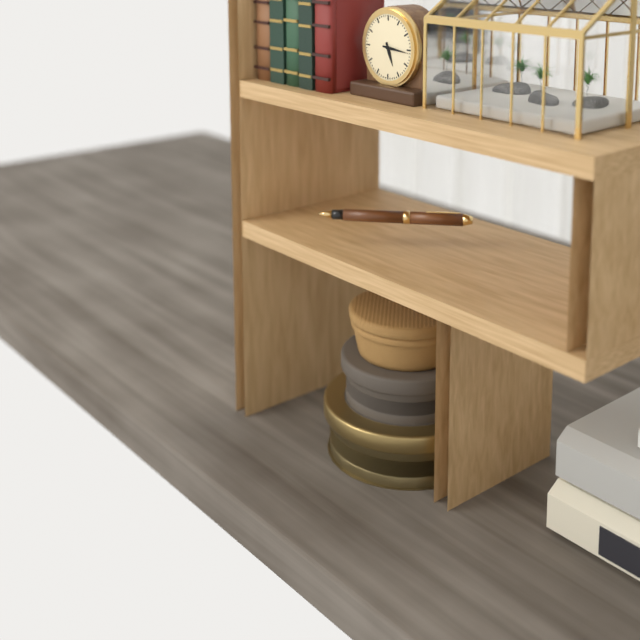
5:16
